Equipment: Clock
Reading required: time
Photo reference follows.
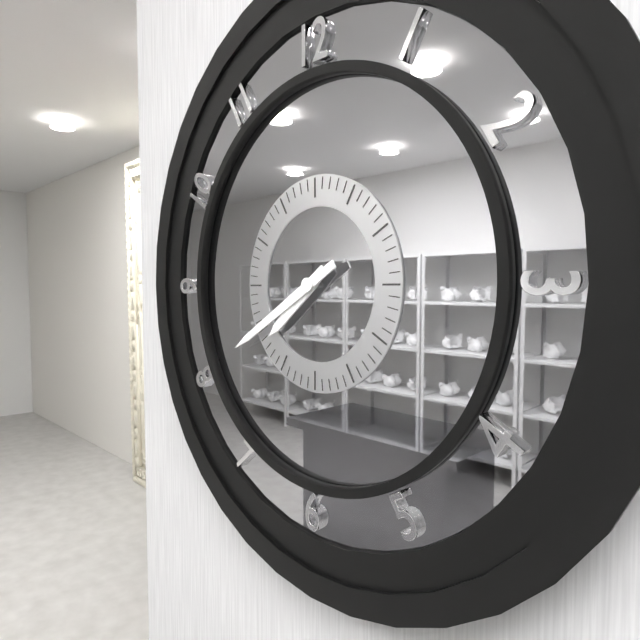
7:40
